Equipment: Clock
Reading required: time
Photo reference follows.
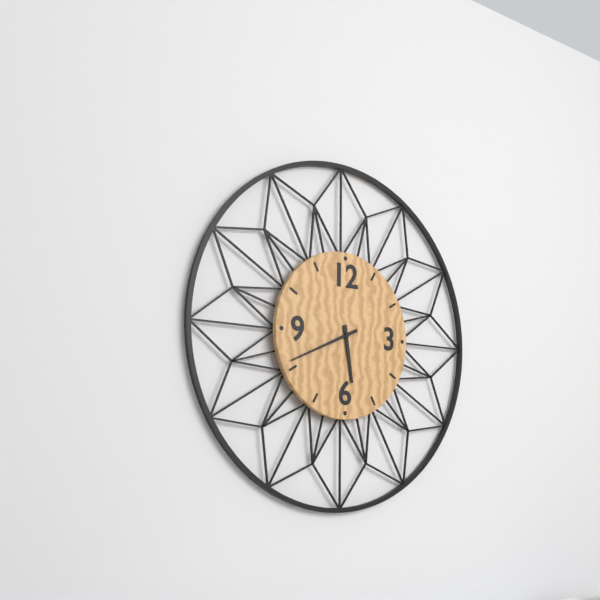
5:41
